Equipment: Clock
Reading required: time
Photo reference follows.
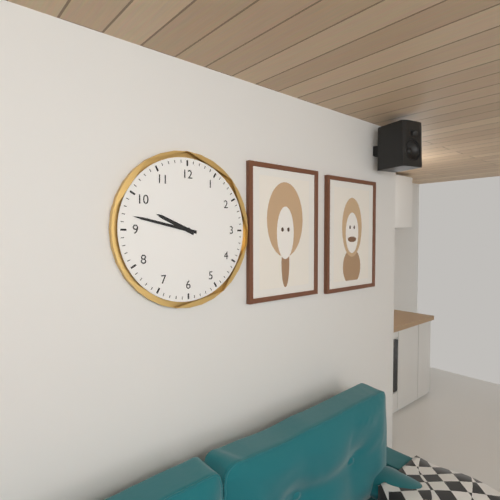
9:47
